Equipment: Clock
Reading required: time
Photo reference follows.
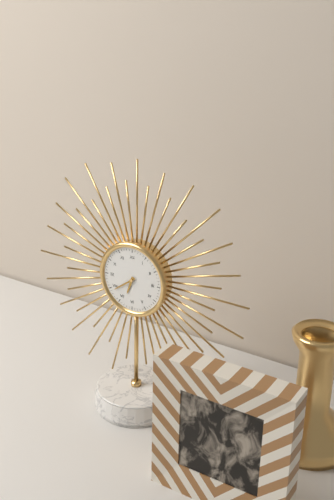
6:39
